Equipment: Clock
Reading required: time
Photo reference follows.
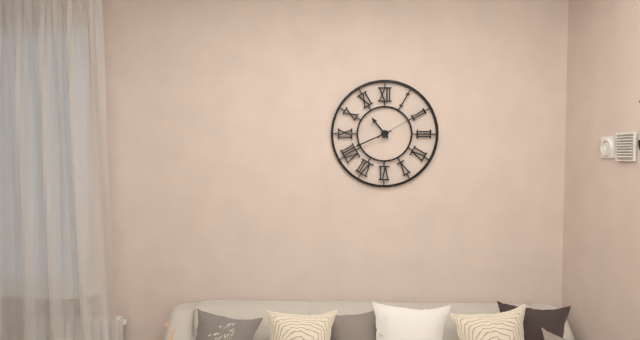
10:41
